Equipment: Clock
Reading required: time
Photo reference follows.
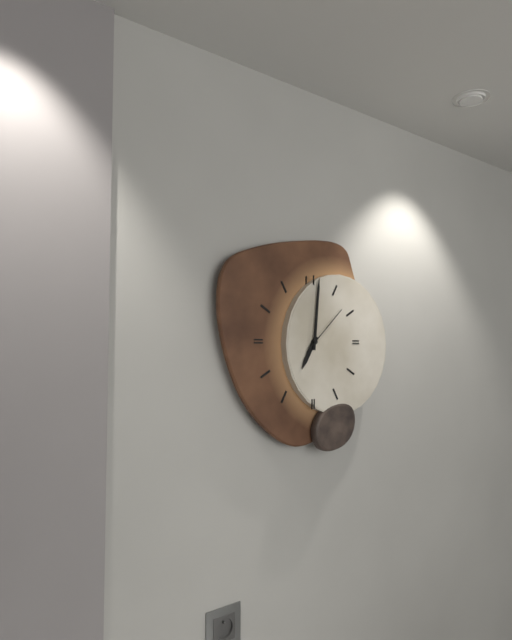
7:01:08
